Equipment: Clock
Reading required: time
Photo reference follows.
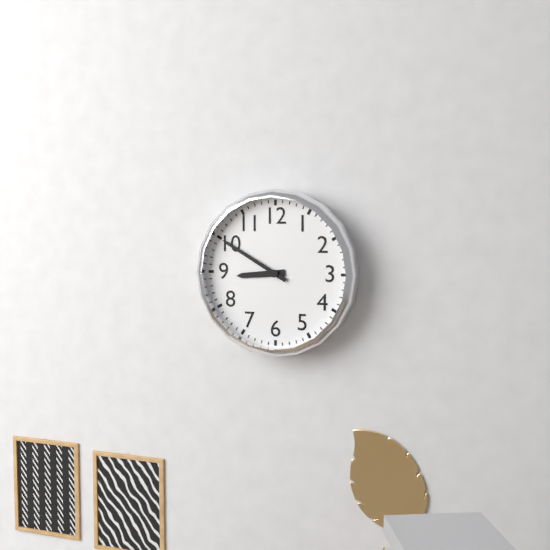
8:50
